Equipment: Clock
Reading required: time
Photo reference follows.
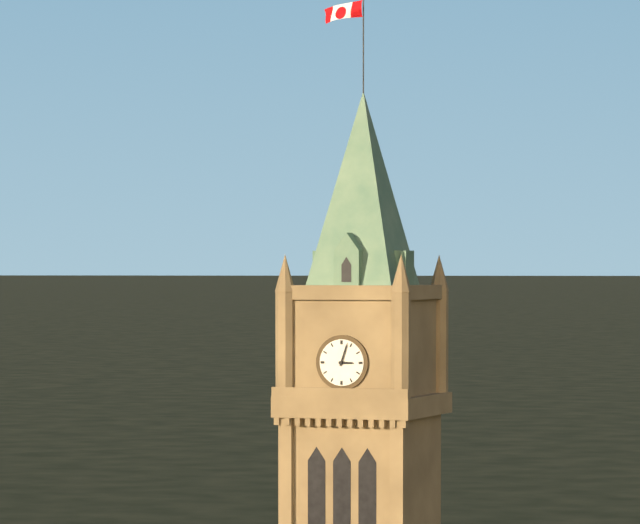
3:03
